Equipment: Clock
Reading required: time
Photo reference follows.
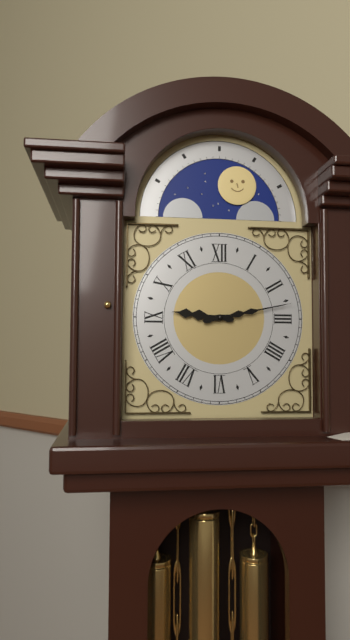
9:13
